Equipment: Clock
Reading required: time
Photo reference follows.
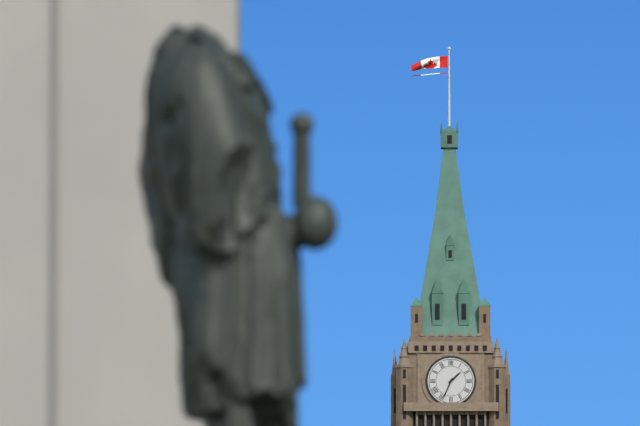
1:34
